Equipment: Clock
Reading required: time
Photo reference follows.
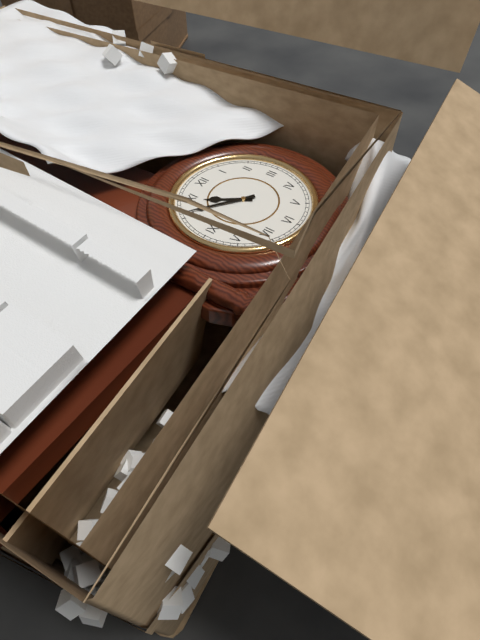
10:51
